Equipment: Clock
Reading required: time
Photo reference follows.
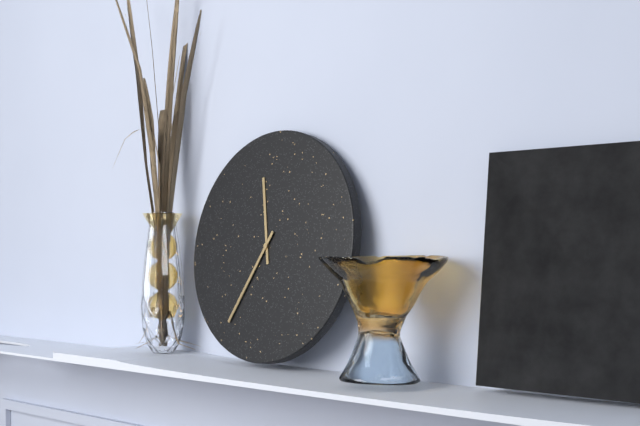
11:35
